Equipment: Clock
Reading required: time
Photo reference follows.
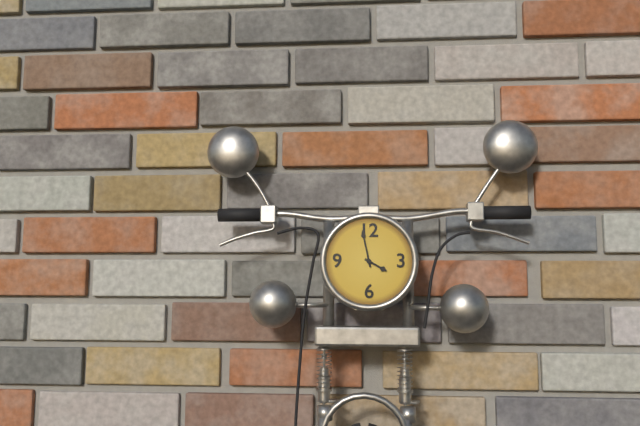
3:58
